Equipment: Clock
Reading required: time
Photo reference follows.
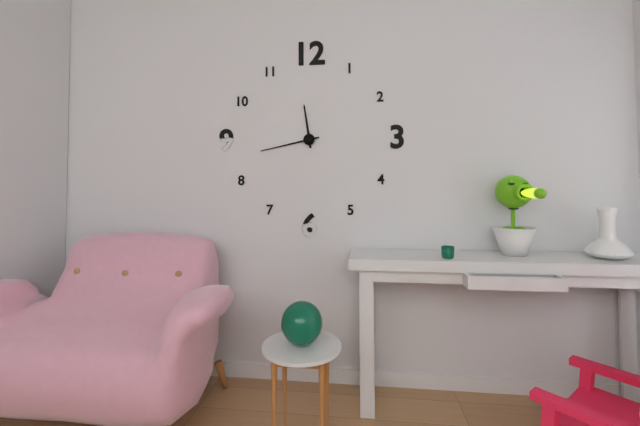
11:43
